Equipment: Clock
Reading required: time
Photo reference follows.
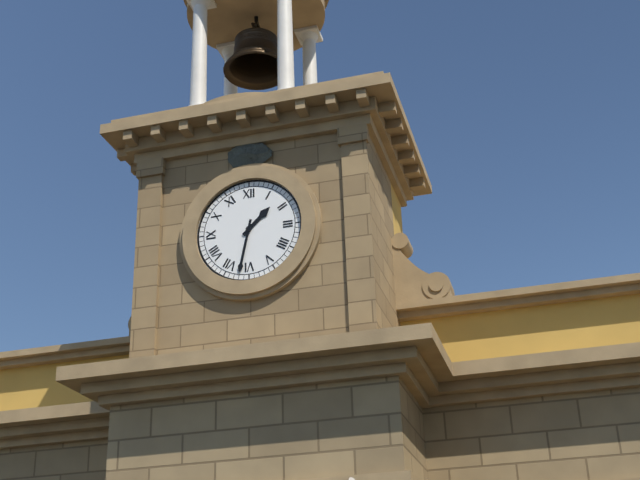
1:32
